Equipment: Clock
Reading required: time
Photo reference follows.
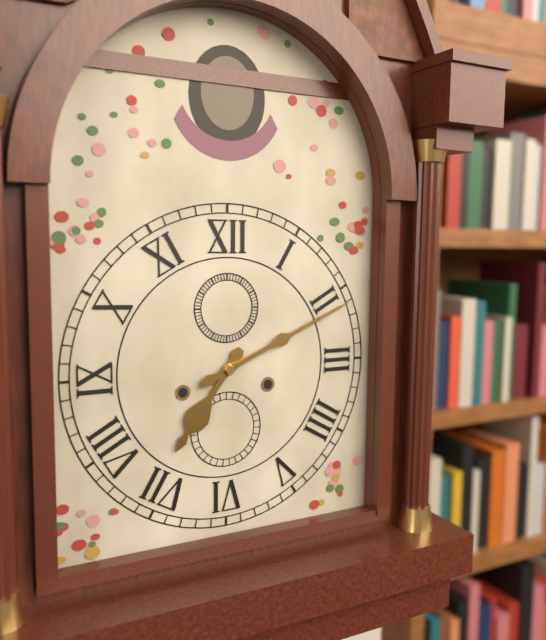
7:11
